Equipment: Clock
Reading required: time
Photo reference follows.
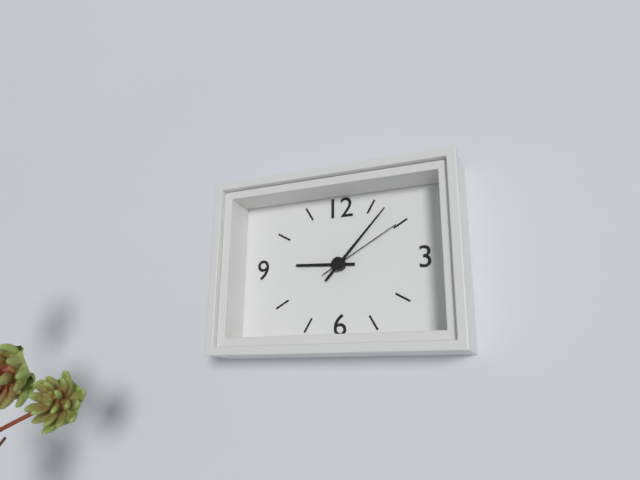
9:07:10
